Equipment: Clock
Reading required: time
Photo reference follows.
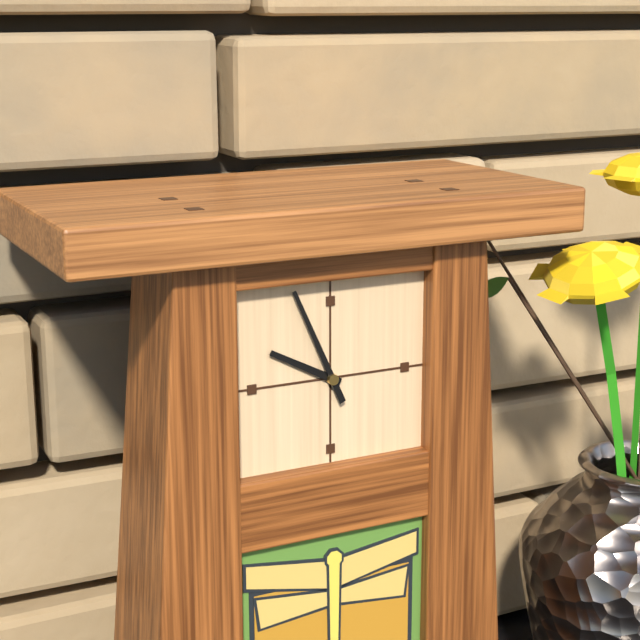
9:56
